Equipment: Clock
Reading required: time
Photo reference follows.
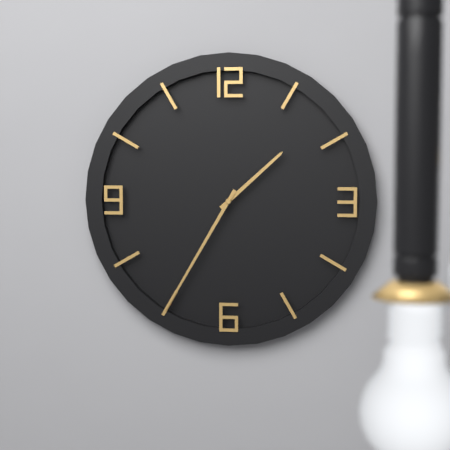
1:35
